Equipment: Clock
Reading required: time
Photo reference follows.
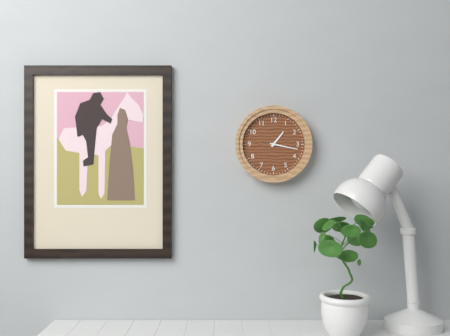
1:17
